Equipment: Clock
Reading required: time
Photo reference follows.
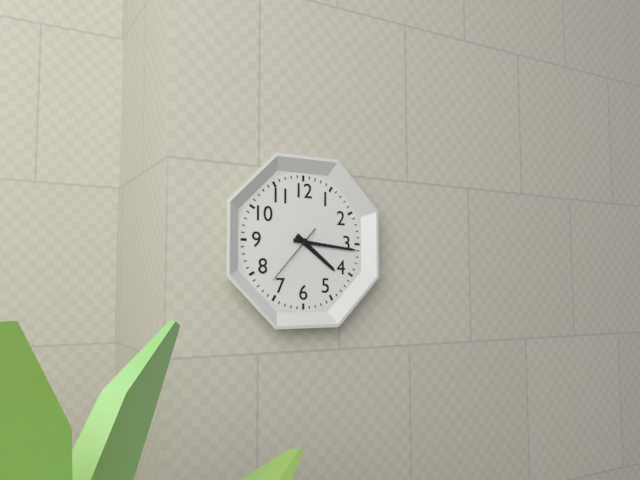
4:16:37
